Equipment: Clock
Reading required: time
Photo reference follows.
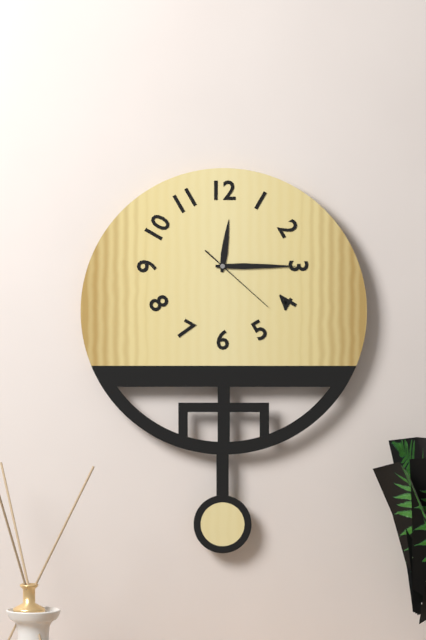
12:15:22
